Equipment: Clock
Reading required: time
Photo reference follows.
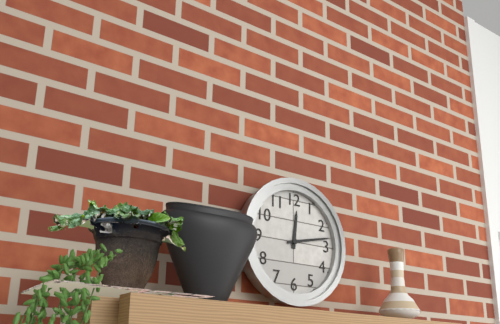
12:13
